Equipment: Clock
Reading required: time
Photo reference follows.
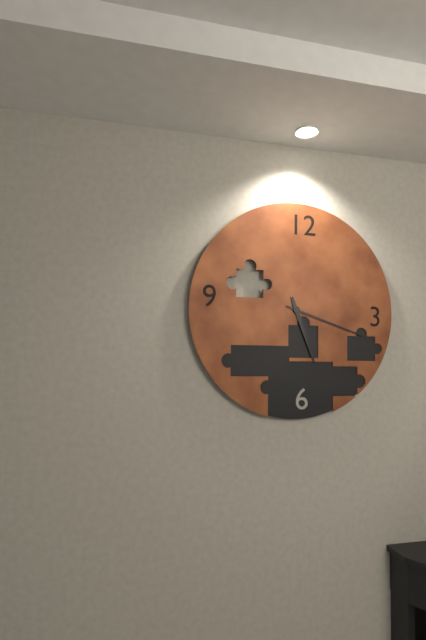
5:18
